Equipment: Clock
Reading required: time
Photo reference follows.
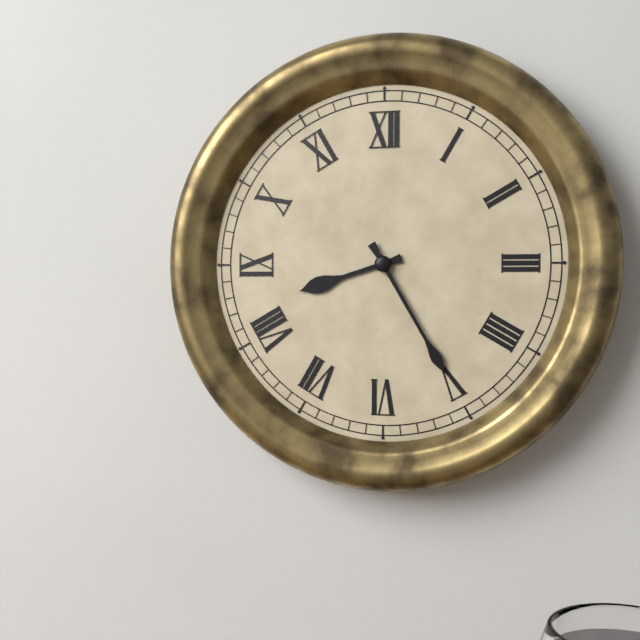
8:25
